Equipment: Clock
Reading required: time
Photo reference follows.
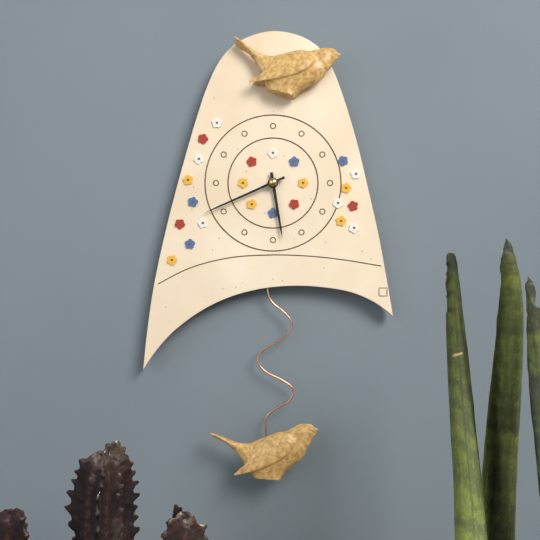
5:41
